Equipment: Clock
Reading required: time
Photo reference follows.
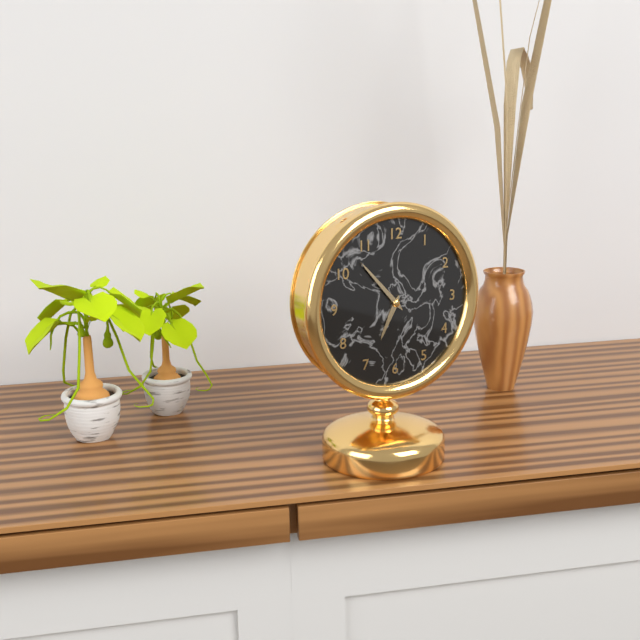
6:53
